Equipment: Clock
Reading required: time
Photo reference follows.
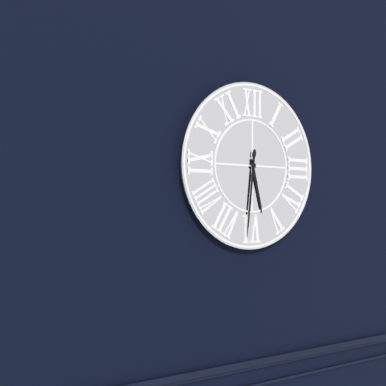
5:31
